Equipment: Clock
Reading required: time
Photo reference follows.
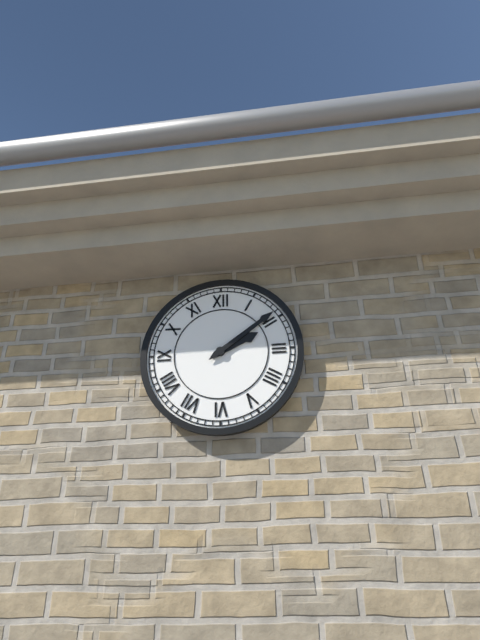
2:09
